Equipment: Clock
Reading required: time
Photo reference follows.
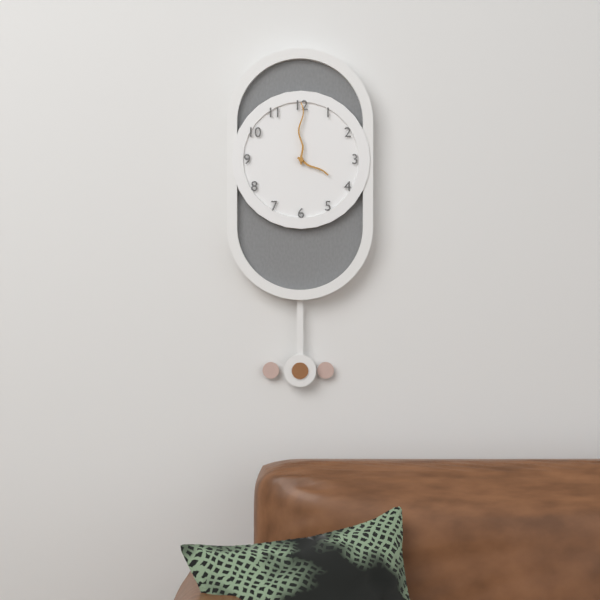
4:00
